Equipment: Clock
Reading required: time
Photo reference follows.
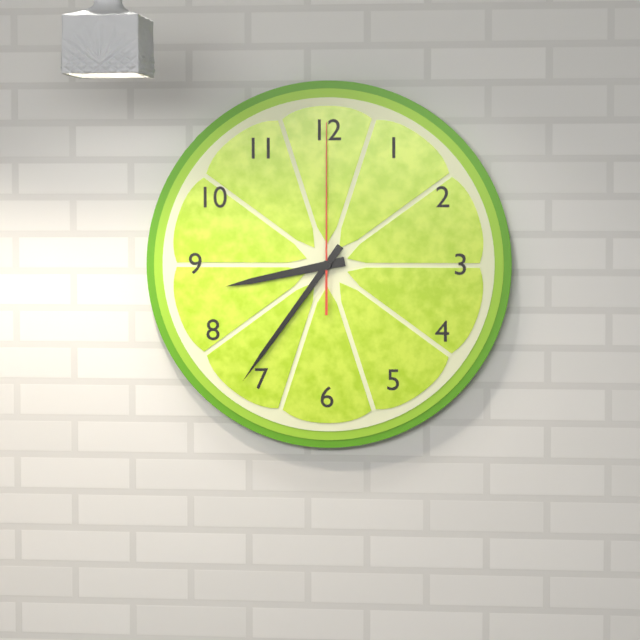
8:36:00
